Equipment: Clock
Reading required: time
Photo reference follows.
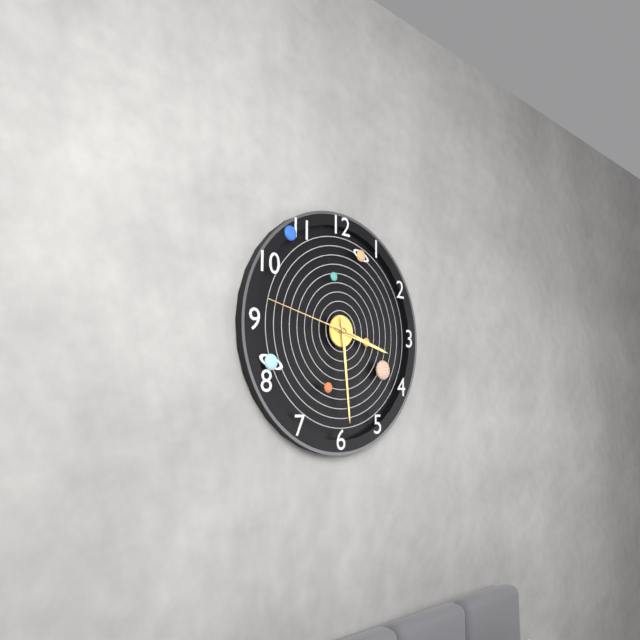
3:29:47
